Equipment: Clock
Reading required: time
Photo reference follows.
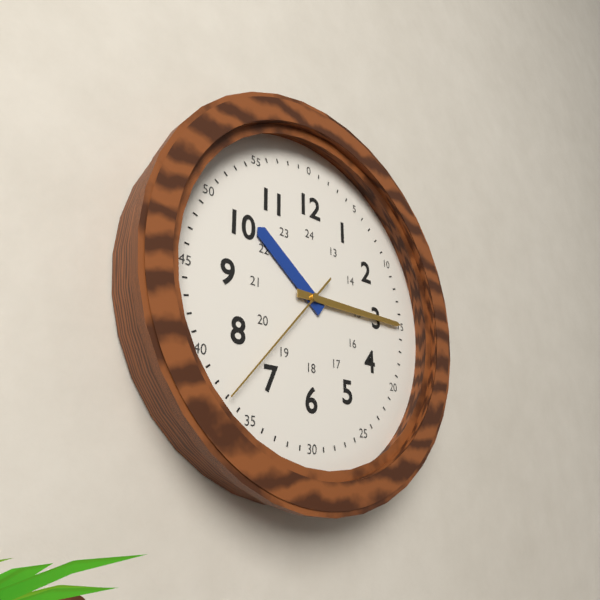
10:15:37
